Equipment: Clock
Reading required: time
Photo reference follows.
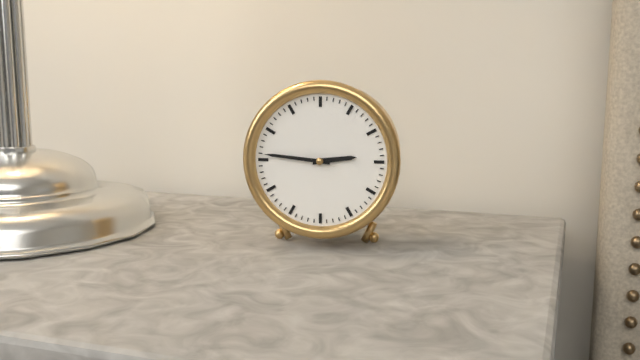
2:46
